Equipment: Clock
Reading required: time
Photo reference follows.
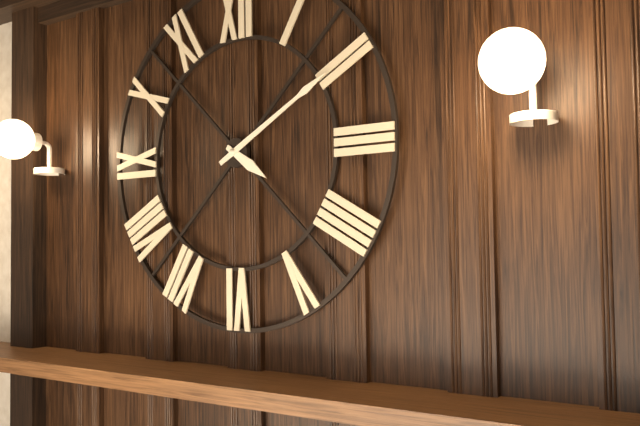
4:10
